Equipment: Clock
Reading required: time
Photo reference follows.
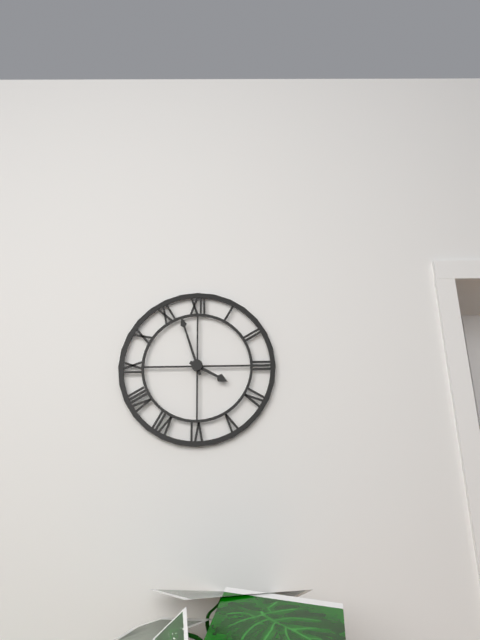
3:57
